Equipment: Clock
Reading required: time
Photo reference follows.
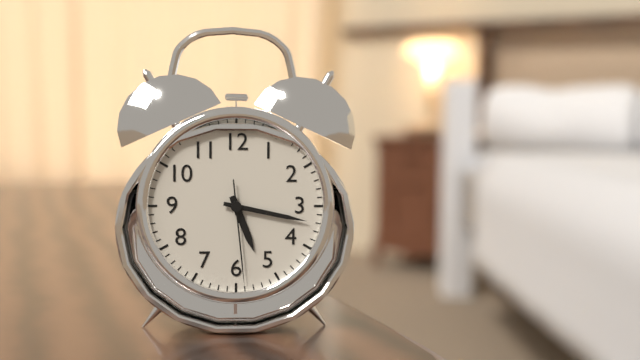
5:17:29
